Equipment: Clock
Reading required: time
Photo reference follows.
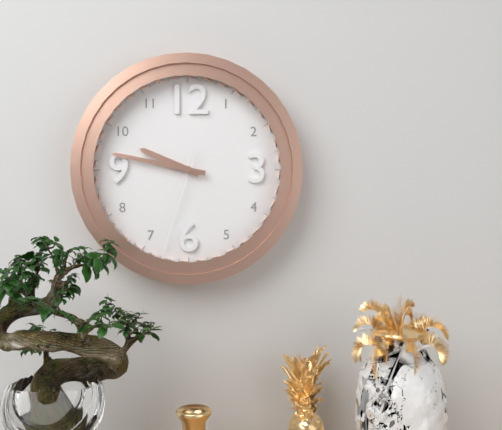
9:47:33
